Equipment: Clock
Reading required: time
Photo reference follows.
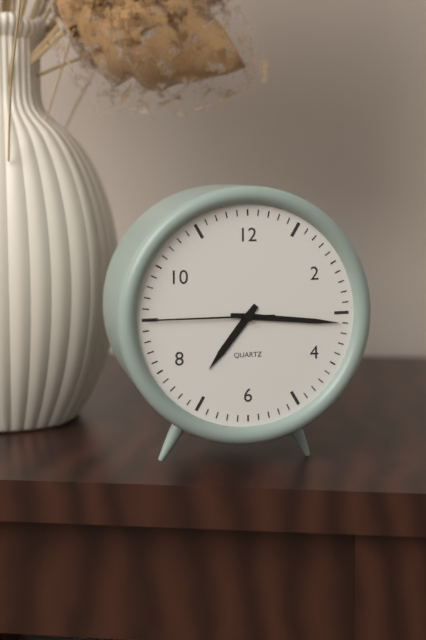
7:16:45
